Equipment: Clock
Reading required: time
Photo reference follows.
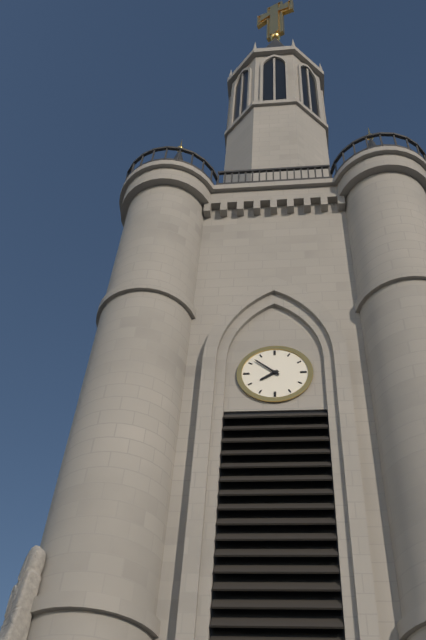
7:52
